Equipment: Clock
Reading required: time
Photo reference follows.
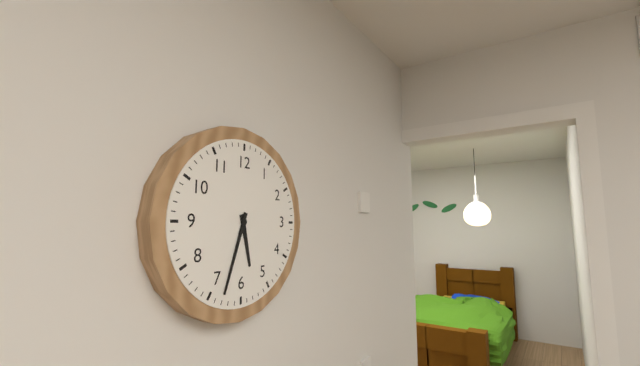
5:33
